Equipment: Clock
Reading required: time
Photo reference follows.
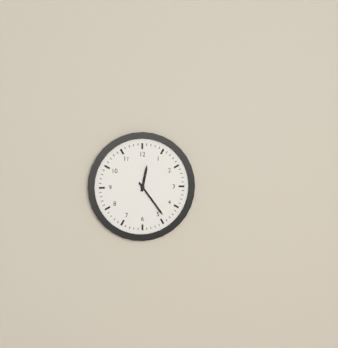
12:24
